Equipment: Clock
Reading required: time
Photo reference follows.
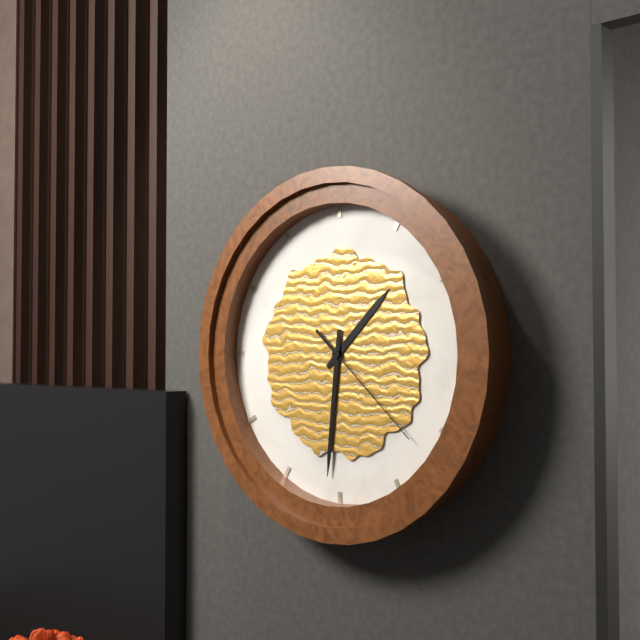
1:31:22
